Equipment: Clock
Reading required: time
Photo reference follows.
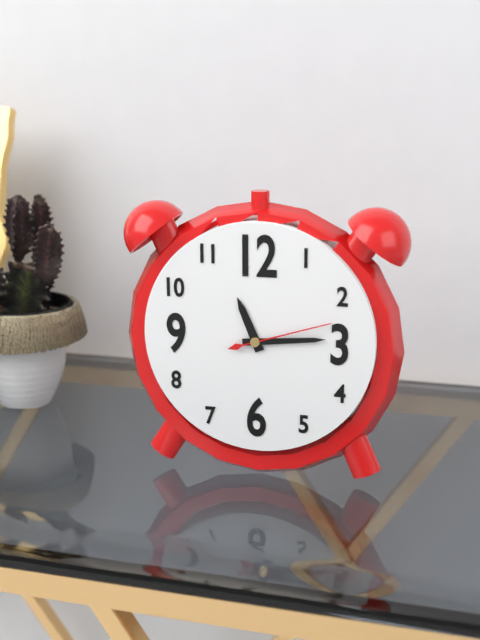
11:14:12
